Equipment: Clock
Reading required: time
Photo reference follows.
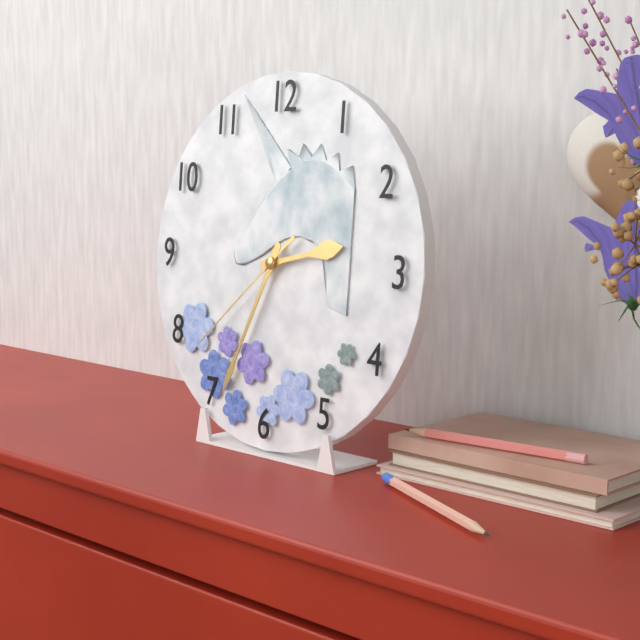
2:34:38
